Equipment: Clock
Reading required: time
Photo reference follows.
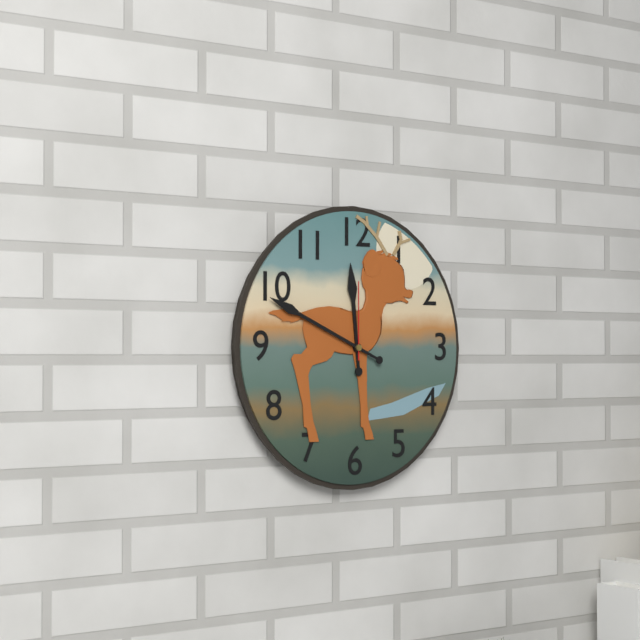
11:49:00
